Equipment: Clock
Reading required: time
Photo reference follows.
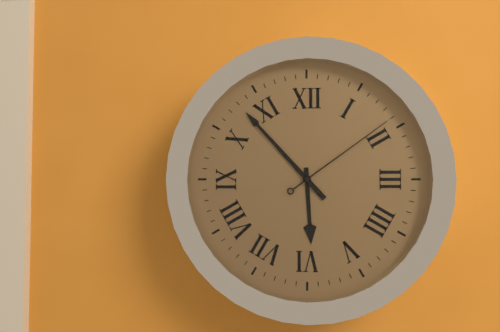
5:53:09
